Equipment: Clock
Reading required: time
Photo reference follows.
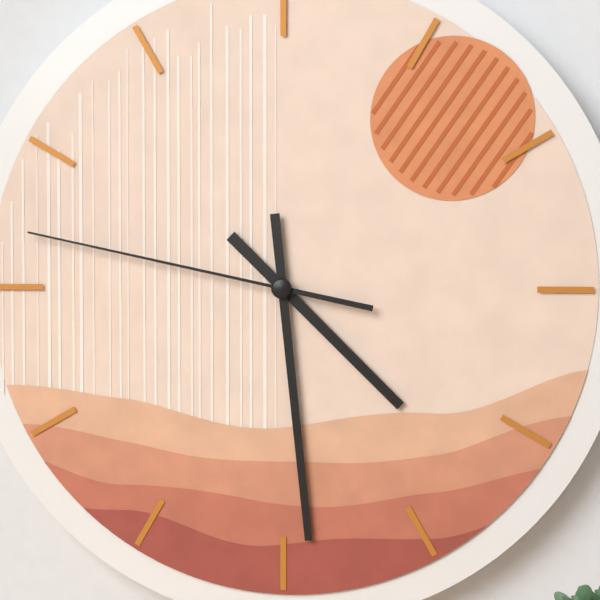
4:29:47
